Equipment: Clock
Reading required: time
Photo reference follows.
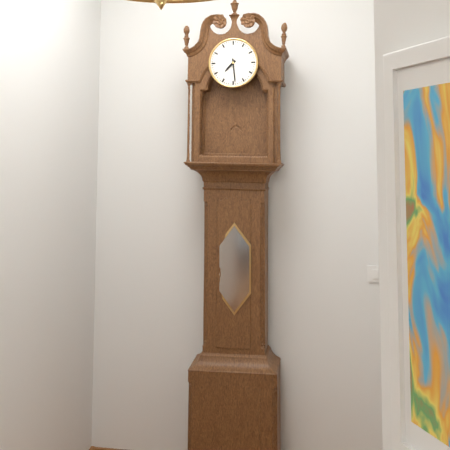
7:29
